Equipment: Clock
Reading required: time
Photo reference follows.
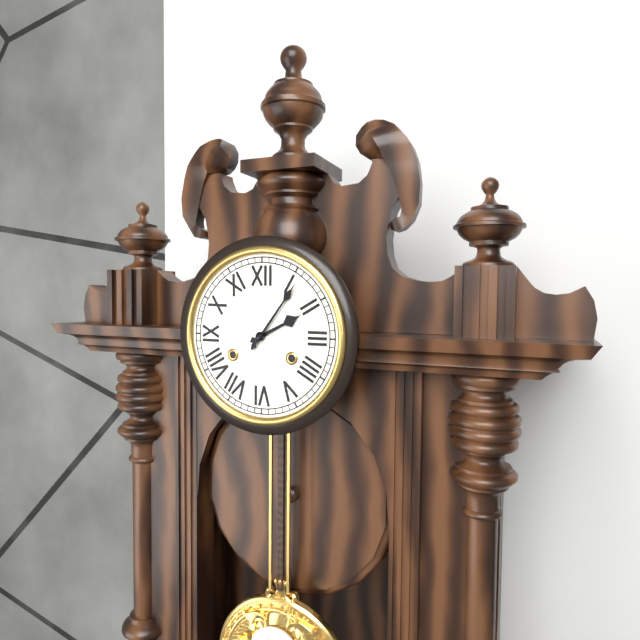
2:06
